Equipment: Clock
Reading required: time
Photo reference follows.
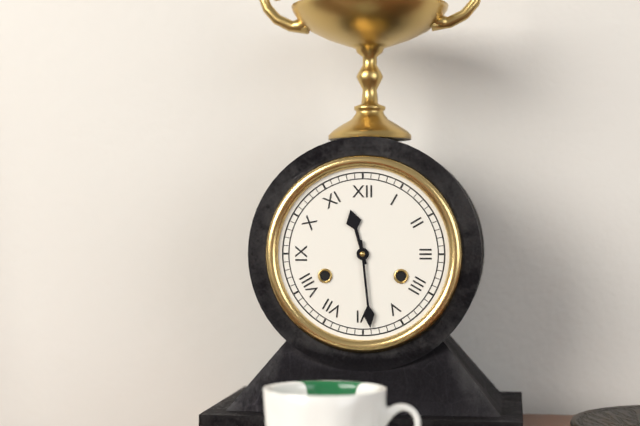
11:29
